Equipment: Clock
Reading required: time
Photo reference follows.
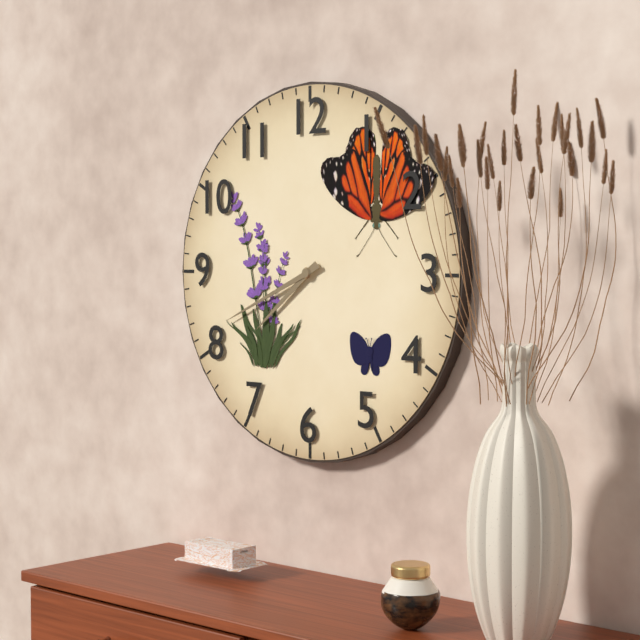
7:41
